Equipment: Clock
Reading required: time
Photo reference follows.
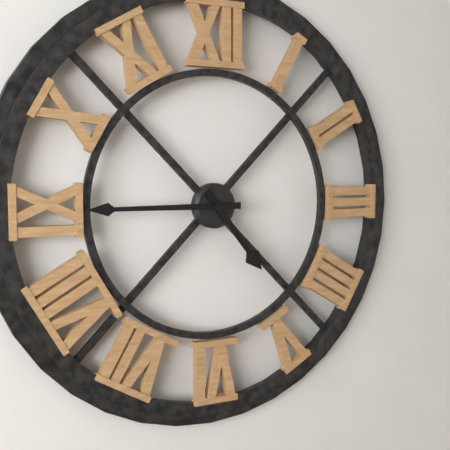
4:45
